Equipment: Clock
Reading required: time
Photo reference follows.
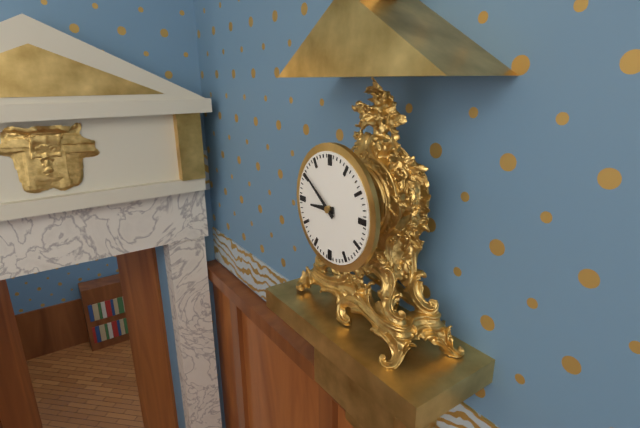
8:51
